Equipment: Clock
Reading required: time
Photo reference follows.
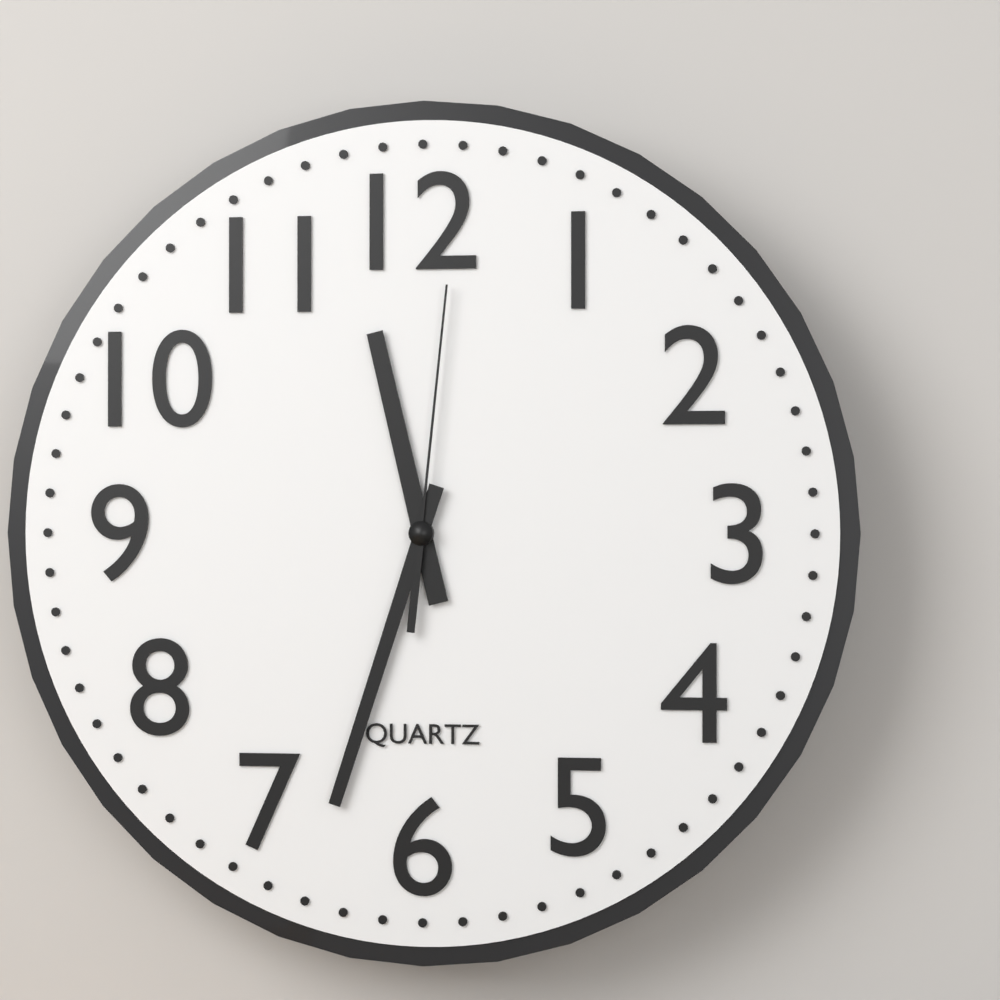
11:33:01
